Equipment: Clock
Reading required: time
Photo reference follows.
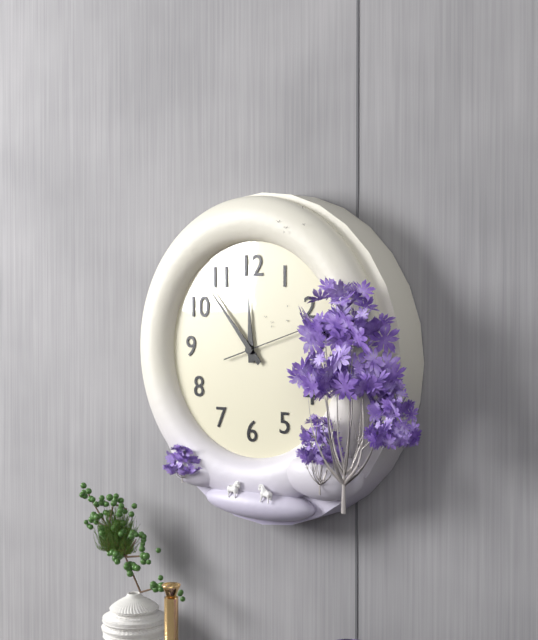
11:53:12
